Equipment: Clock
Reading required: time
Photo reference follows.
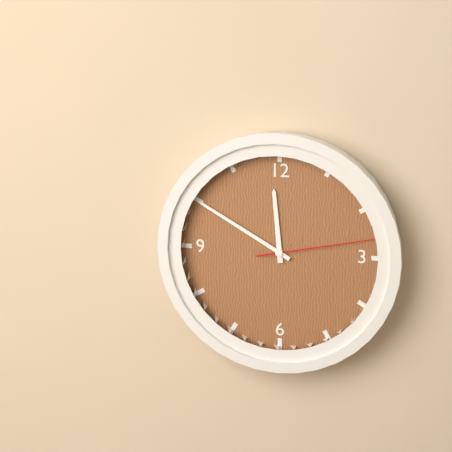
11:50:13
